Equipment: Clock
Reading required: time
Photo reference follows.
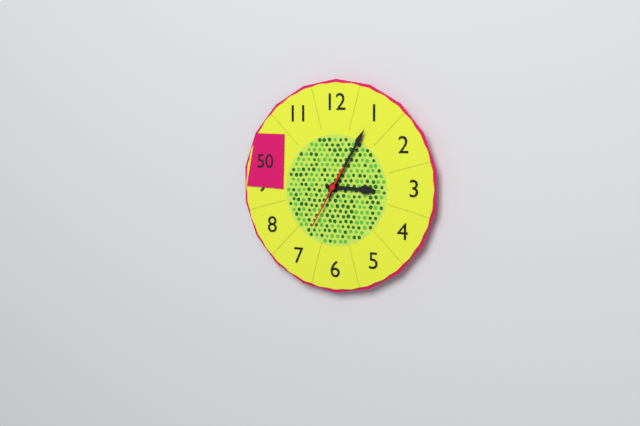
3:05:35
